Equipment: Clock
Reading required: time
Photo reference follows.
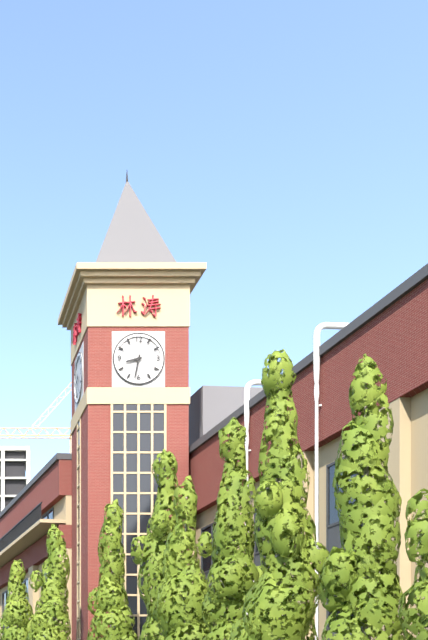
8:32
